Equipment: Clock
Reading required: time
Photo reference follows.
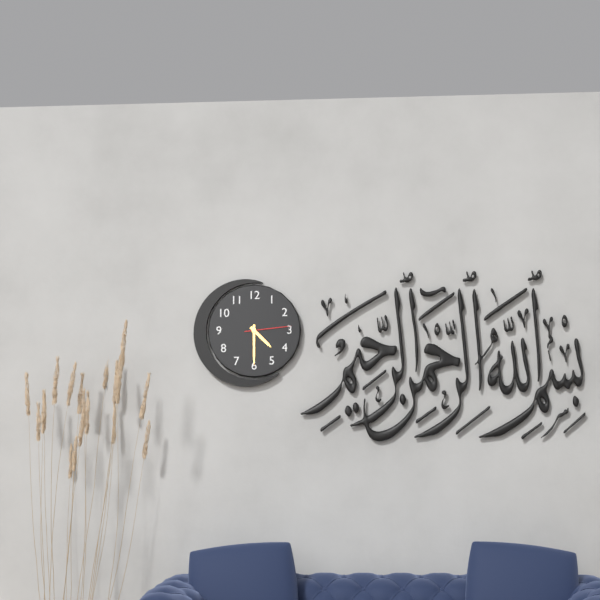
4:30
